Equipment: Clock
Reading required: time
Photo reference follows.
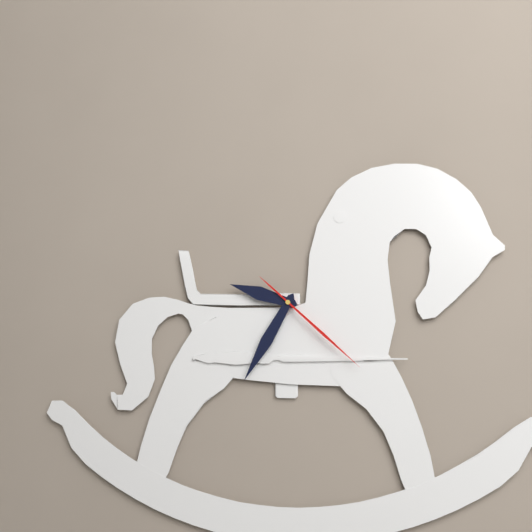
9:35:22
